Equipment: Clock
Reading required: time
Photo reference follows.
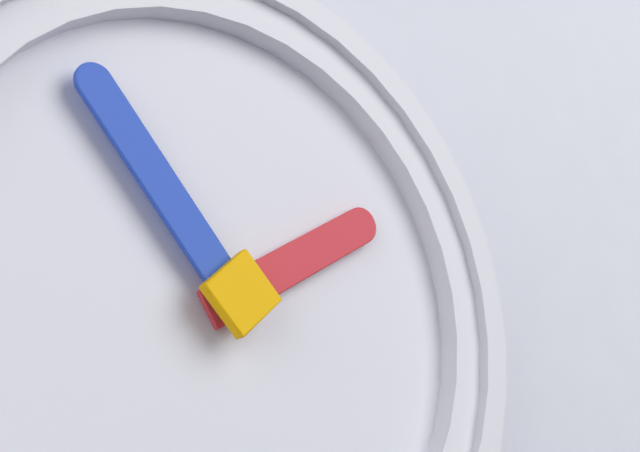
1:53
